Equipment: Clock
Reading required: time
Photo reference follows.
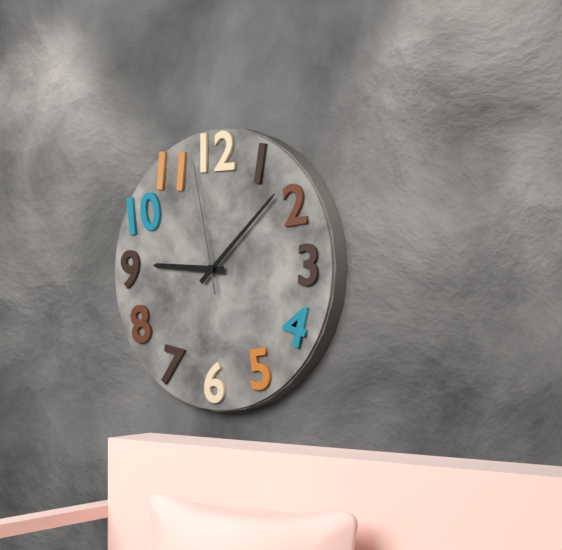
9:08:58
